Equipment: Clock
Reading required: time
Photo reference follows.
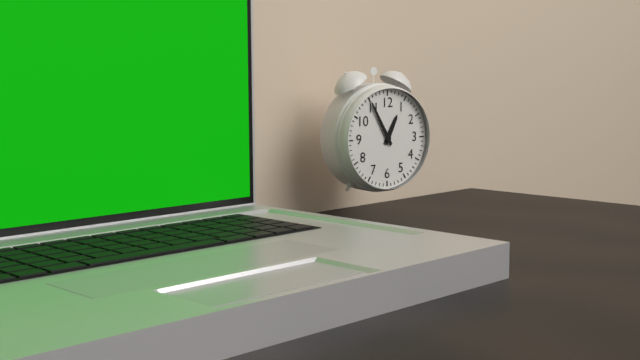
12:55
